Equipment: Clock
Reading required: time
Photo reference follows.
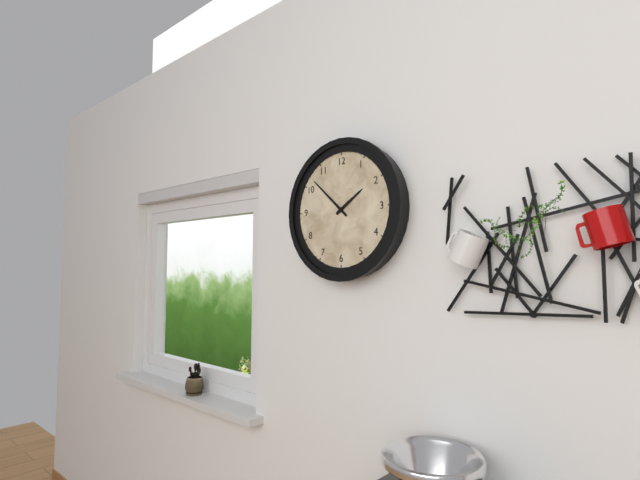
1:52
